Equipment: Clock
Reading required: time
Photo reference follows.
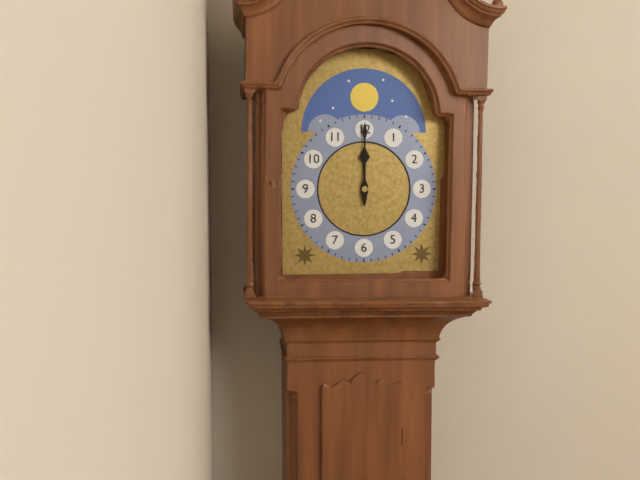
12:00
